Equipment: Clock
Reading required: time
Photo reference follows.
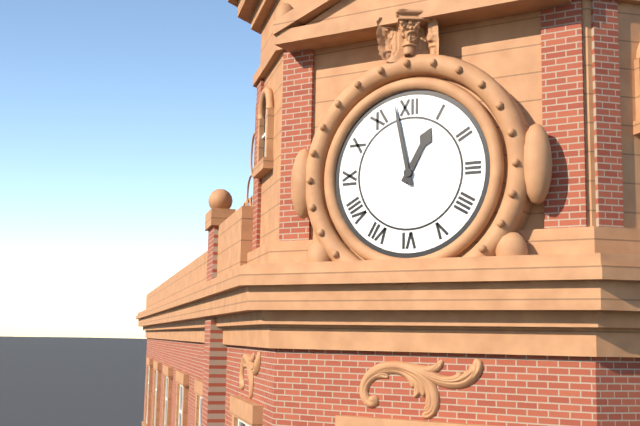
12:58
